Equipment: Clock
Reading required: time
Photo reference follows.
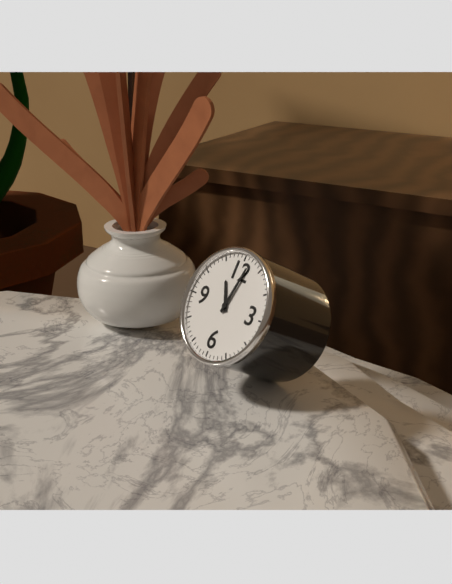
11:02
